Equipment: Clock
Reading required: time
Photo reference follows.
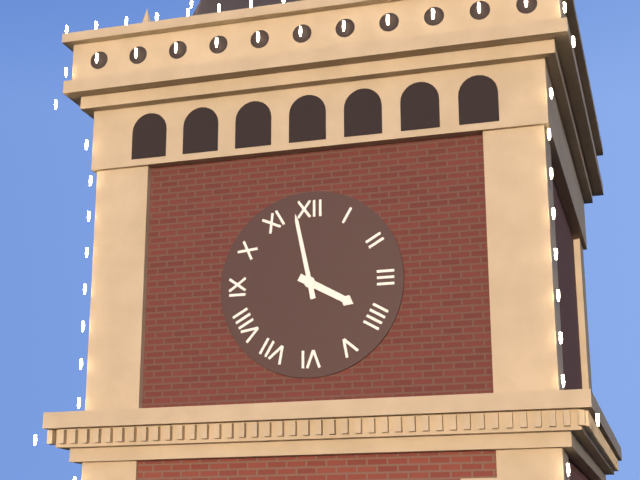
3:58
